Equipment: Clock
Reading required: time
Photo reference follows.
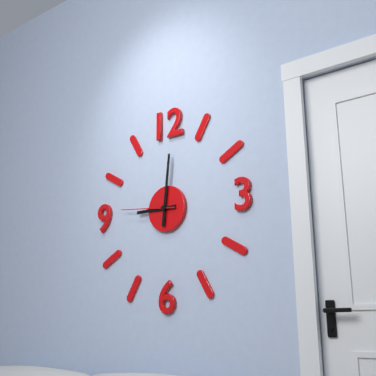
9:01:46
